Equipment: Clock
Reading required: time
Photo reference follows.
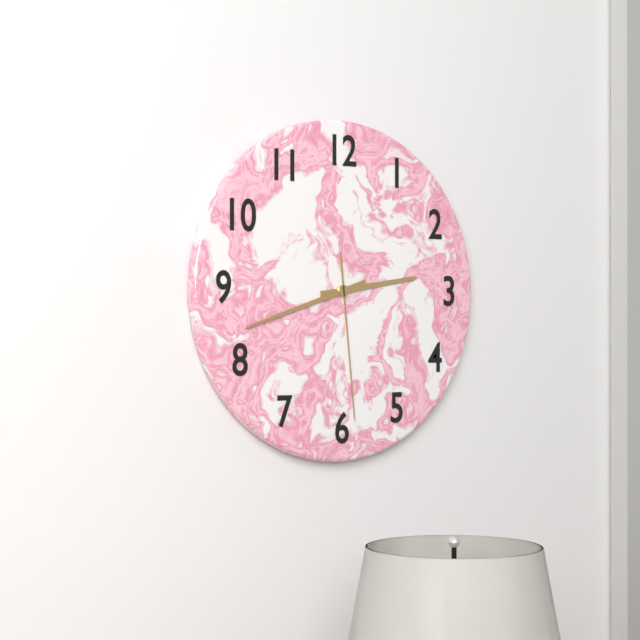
2:42:29
